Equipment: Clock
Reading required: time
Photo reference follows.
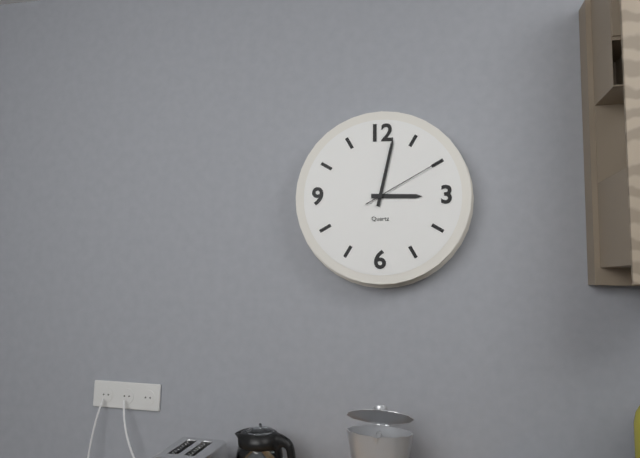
3:02:10
